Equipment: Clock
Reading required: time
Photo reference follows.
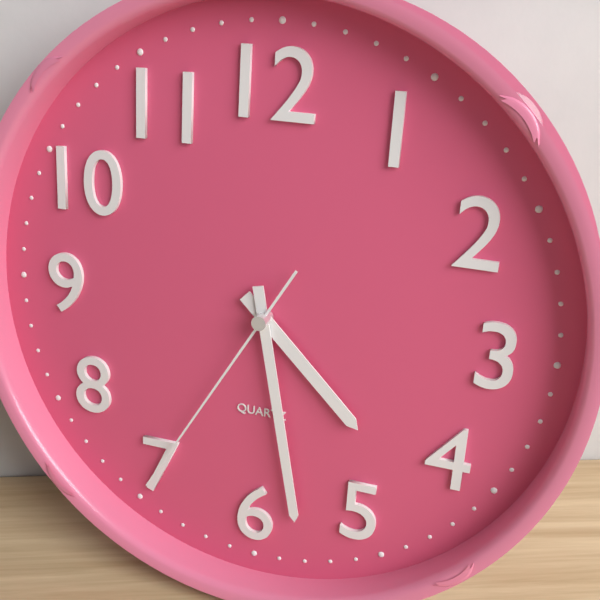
4:28:35
